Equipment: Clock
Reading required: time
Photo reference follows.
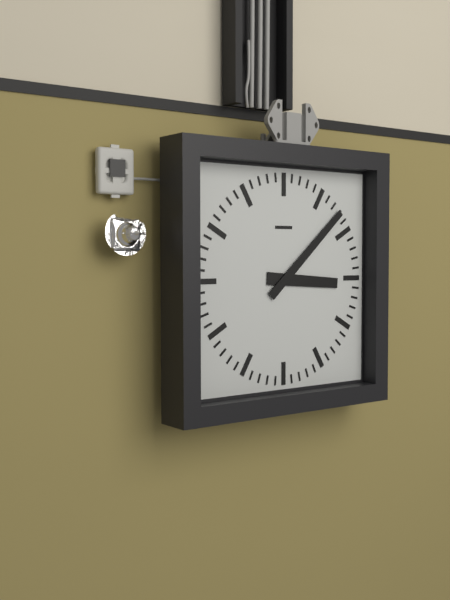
3:08
